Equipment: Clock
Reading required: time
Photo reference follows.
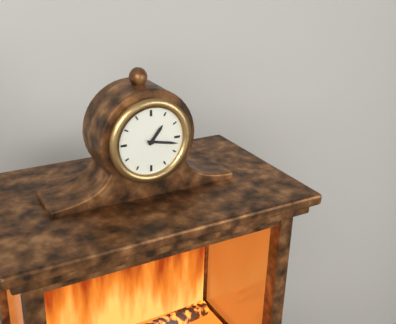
1:17
